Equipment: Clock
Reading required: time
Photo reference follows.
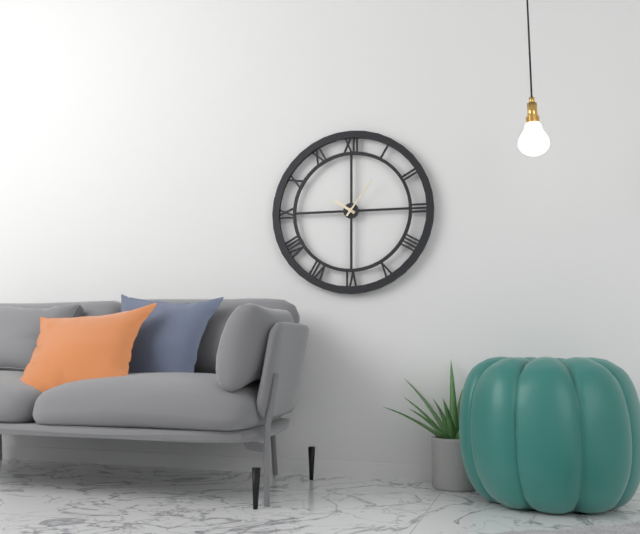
10:06
